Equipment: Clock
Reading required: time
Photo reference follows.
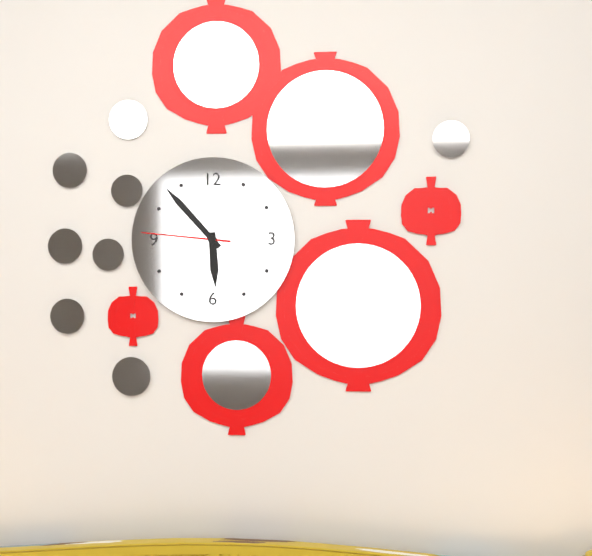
5:53:46
